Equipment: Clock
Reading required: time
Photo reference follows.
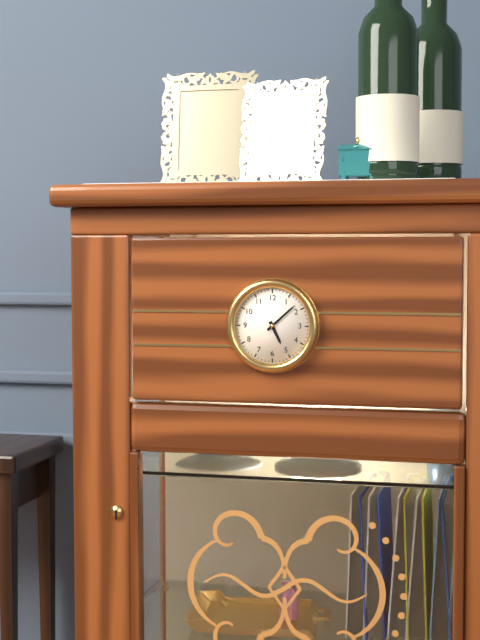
5:08
